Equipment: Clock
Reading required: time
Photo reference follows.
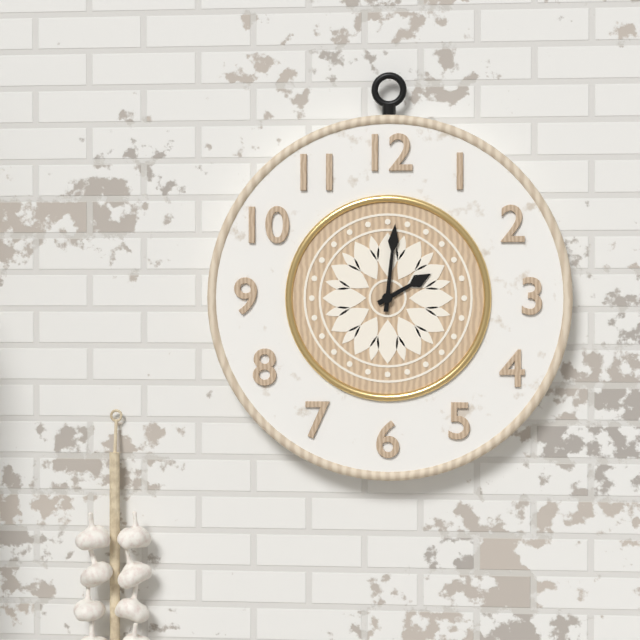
2:01
